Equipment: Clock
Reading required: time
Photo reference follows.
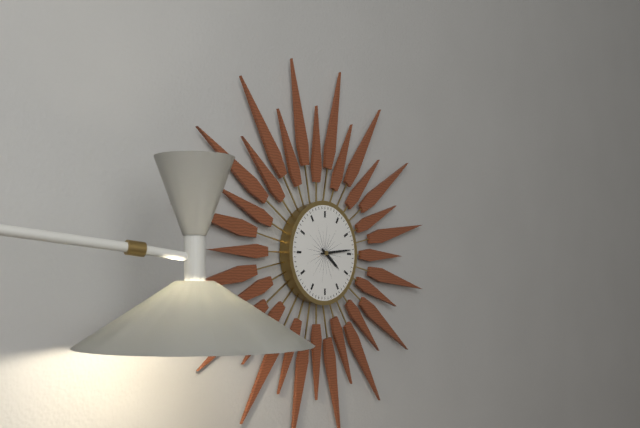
4:14
